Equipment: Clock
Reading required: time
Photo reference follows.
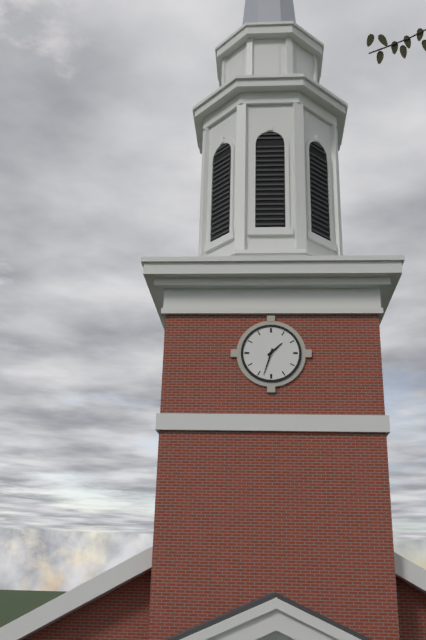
1:33
